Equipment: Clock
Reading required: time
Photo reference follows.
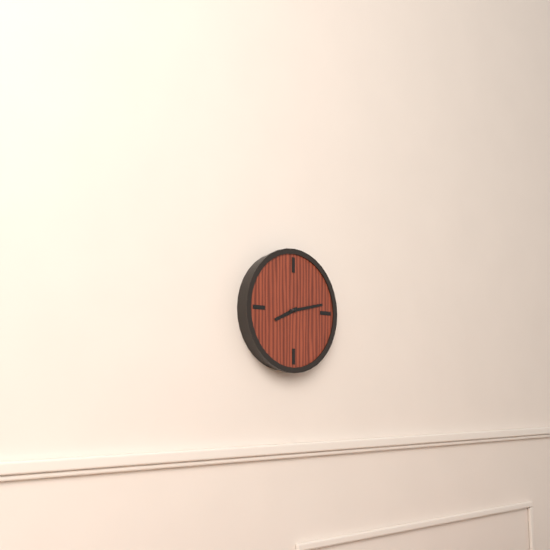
8:13
